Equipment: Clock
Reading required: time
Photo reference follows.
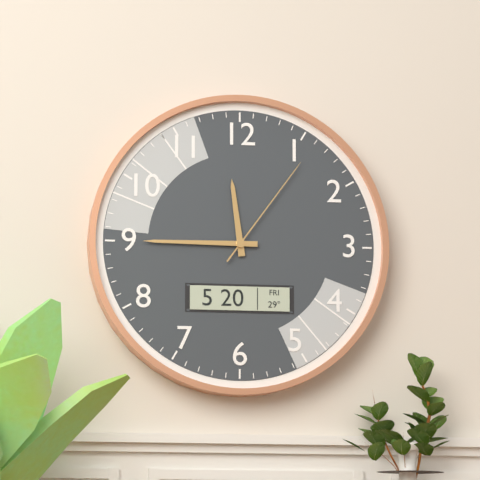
11:45:06
